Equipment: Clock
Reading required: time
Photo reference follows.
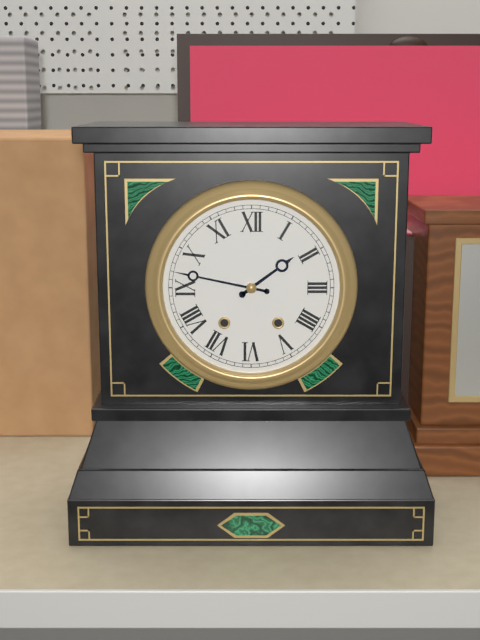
1:47
